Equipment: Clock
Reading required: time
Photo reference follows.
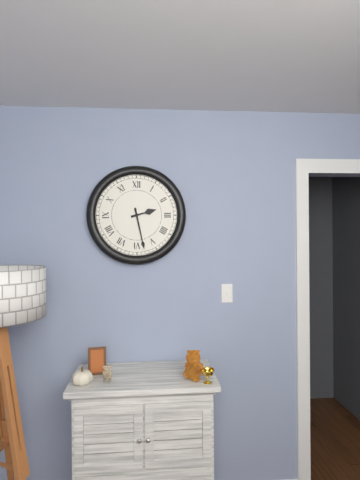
2:28
